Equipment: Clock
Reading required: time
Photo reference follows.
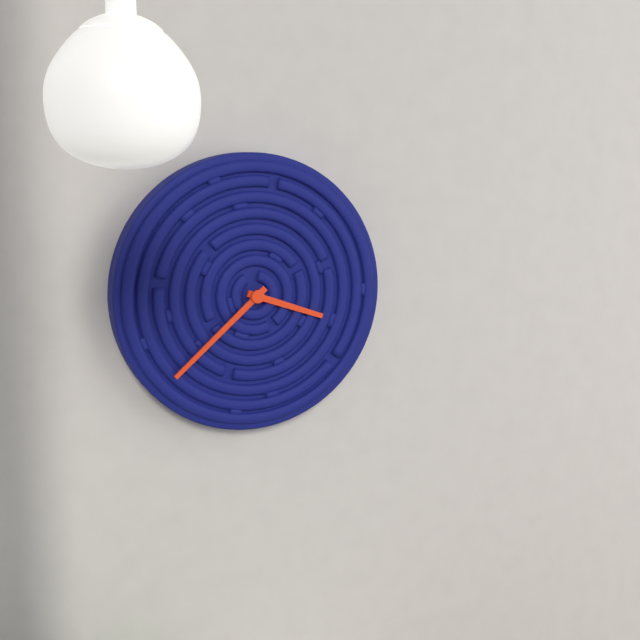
3:38
